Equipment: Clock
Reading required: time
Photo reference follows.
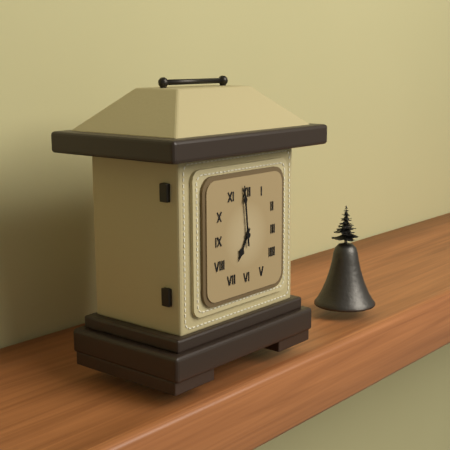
6:59
